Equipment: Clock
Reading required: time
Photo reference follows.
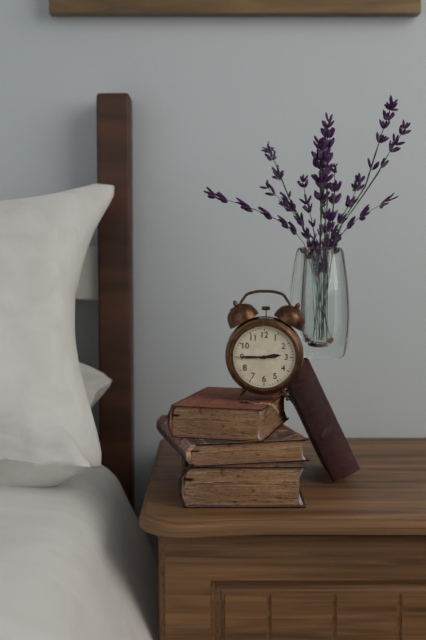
2:45
